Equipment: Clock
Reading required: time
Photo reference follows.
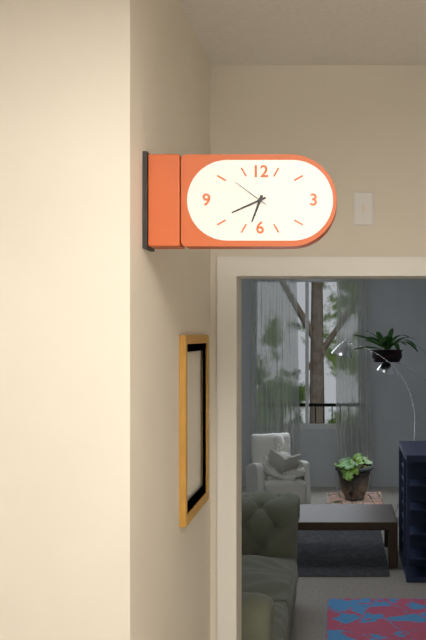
6:41
